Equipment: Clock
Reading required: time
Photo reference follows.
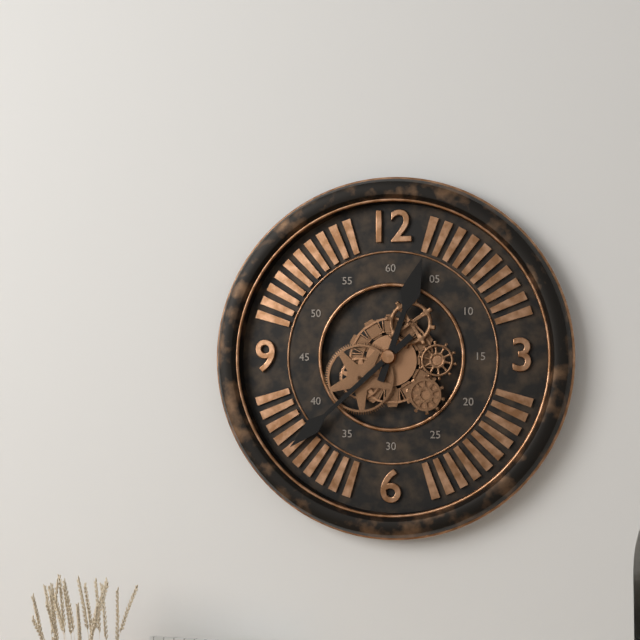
12:38
